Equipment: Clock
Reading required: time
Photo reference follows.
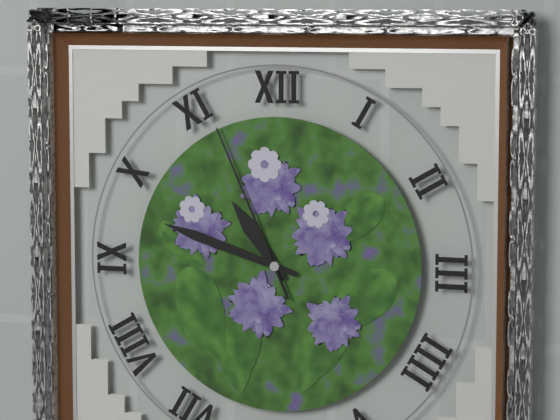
10:48:56
